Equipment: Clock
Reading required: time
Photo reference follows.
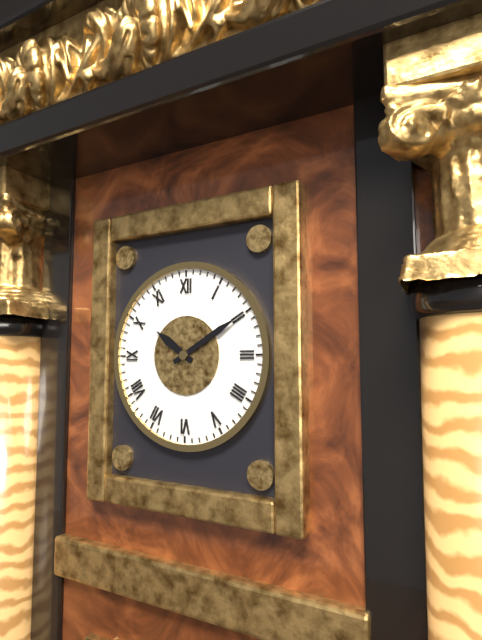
10:10
